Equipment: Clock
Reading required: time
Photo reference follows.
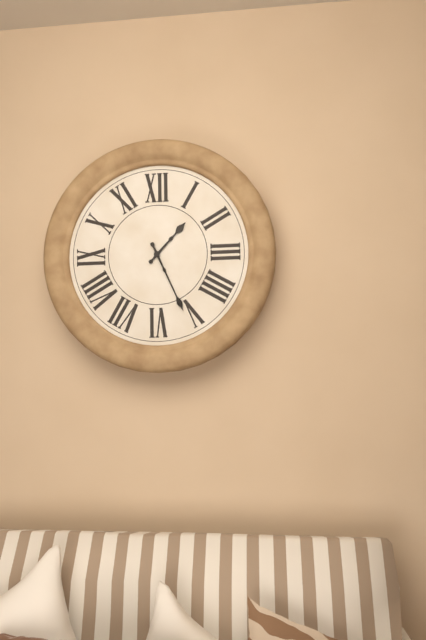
1:26
